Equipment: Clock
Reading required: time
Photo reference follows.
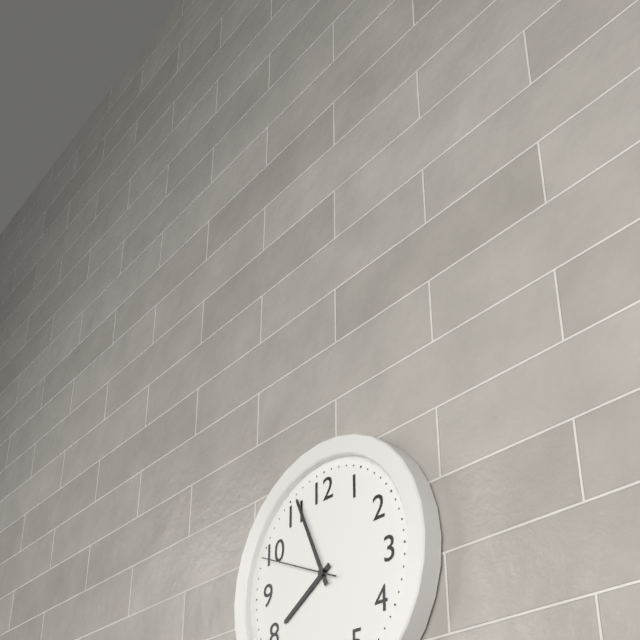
7:56:49
